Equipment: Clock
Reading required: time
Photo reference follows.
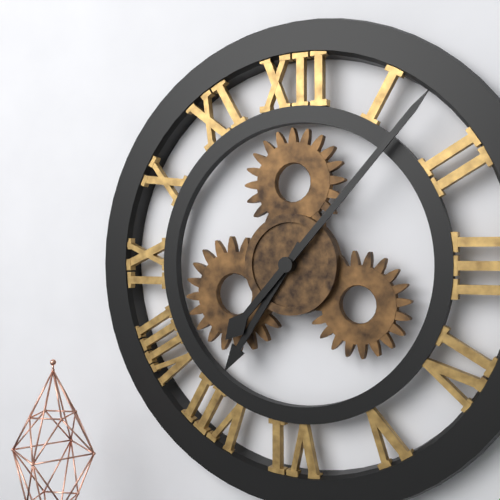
7:07
